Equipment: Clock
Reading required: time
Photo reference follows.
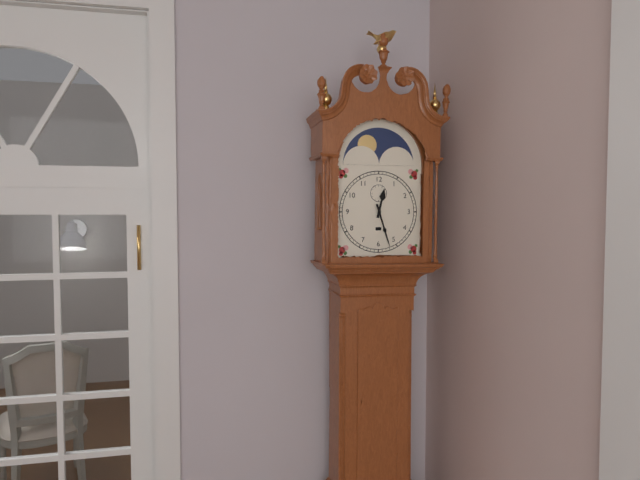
12:27
